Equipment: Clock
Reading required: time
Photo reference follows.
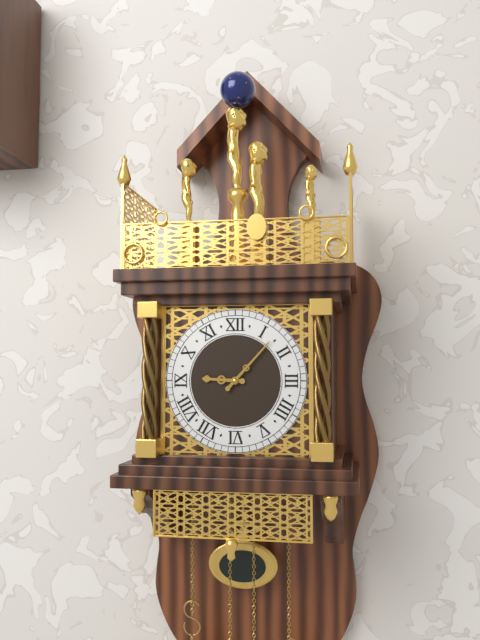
9:07
